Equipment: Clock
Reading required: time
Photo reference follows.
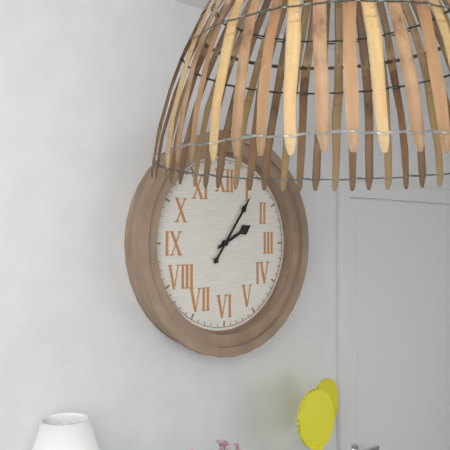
2:06
